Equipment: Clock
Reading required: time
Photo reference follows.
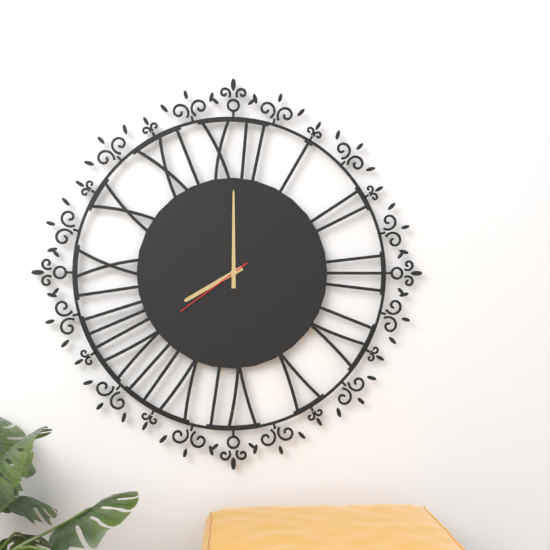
8:00:39
